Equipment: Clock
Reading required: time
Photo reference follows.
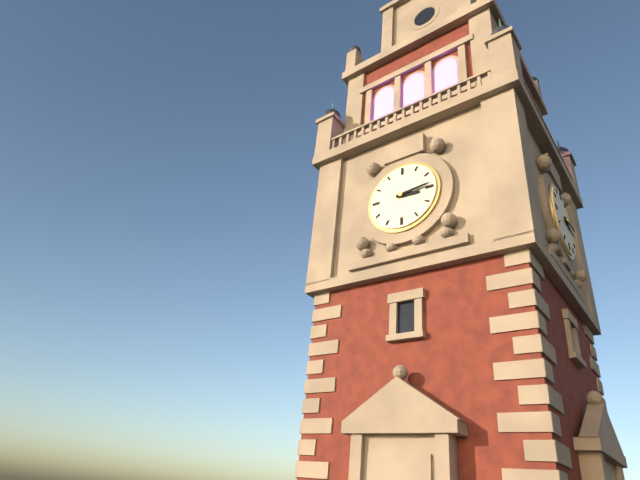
3:14
